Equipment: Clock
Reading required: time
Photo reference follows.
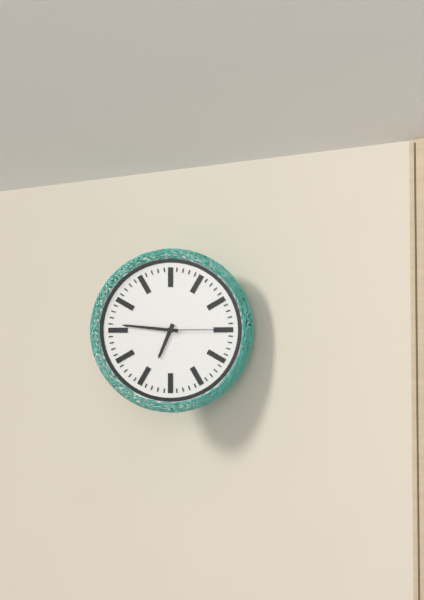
6:46:15
